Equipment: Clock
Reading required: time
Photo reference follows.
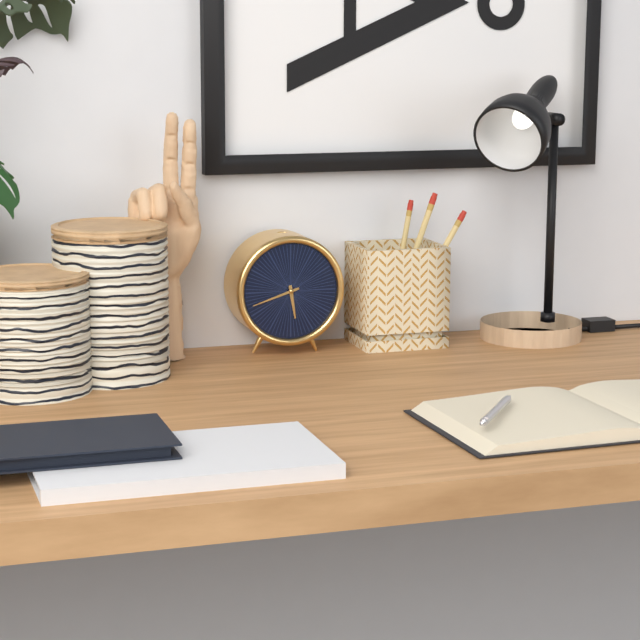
5:42
